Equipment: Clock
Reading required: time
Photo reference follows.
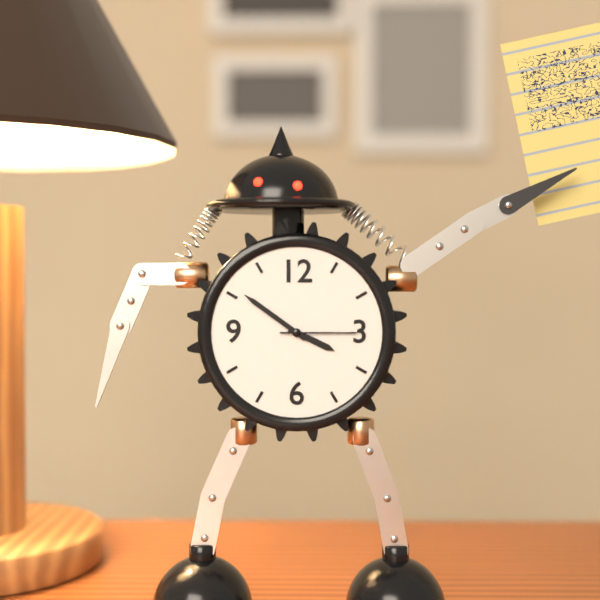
3:51:15
